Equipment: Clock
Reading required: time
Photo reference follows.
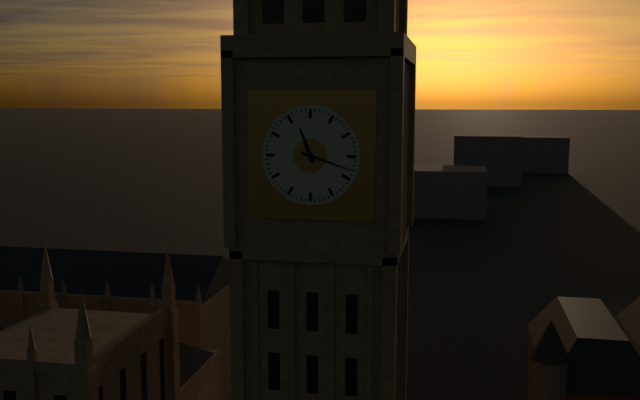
11:18
